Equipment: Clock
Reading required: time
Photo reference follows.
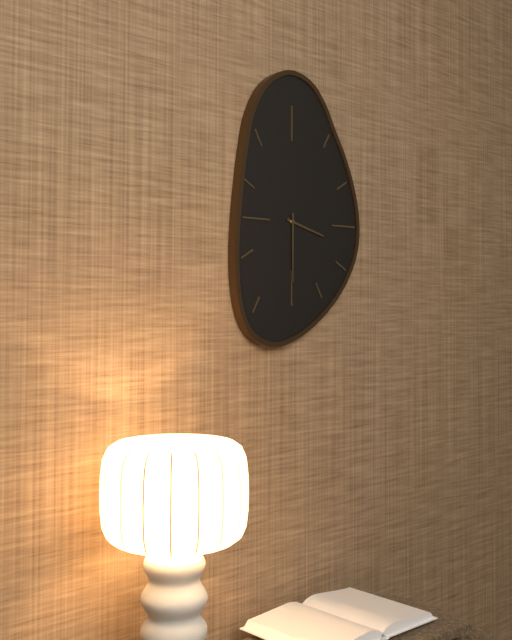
3:30
